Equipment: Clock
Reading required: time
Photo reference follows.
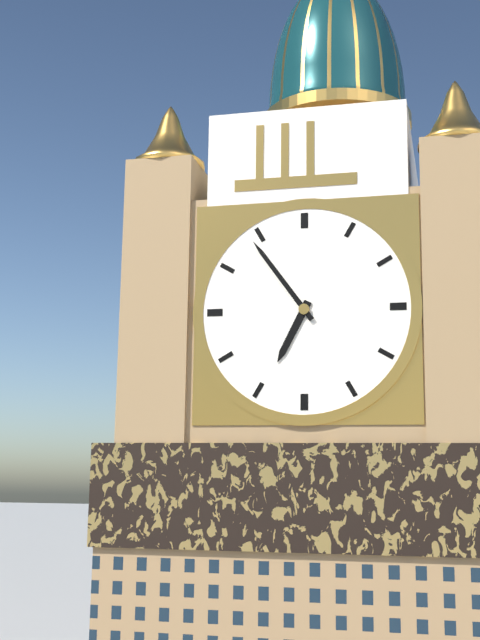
6:54
